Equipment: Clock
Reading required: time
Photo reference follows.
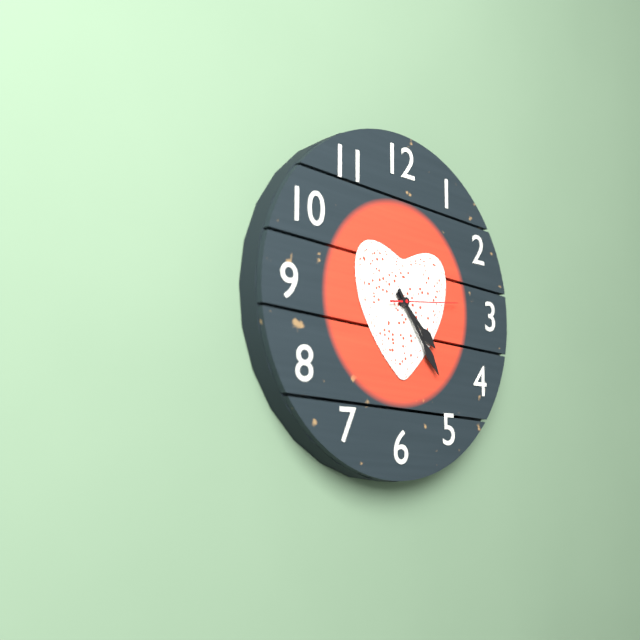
4:24:14
